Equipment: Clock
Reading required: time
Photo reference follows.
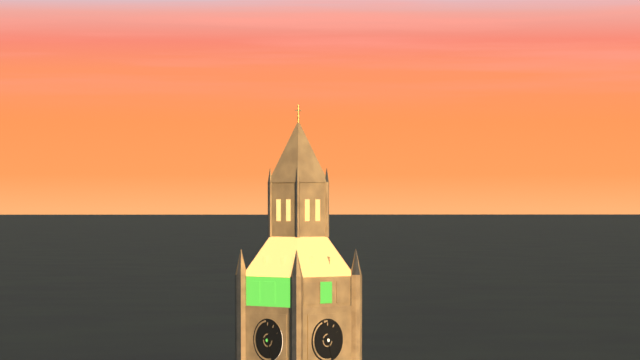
9:27
